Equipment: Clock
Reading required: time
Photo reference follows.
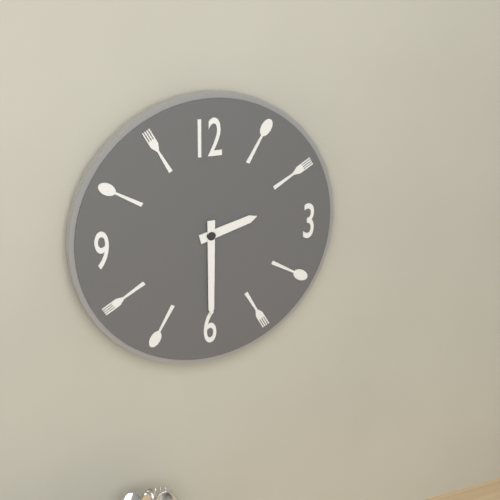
2:30
